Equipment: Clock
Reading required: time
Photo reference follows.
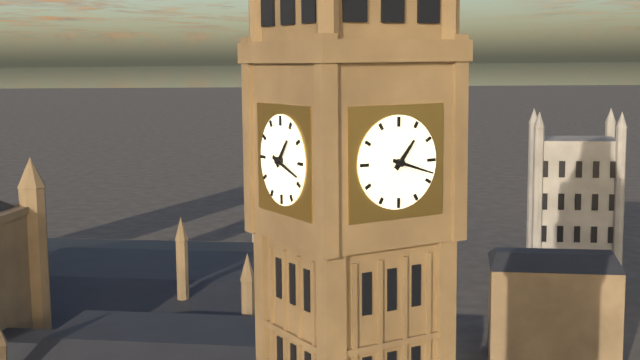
1:18
